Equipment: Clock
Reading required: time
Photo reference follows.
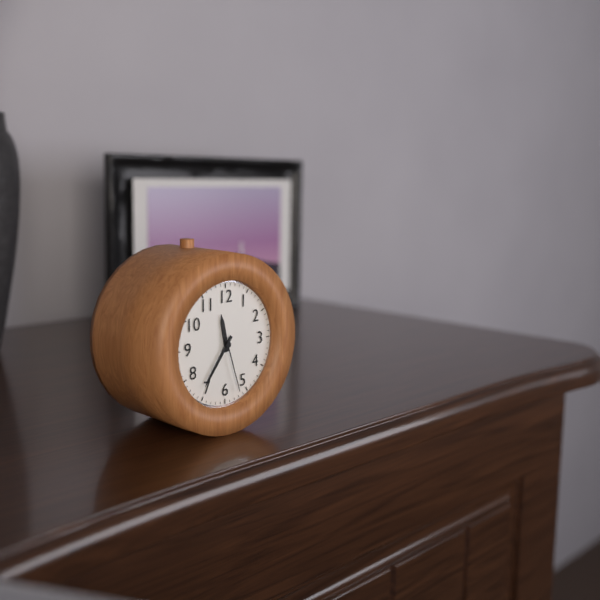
11:36:27
